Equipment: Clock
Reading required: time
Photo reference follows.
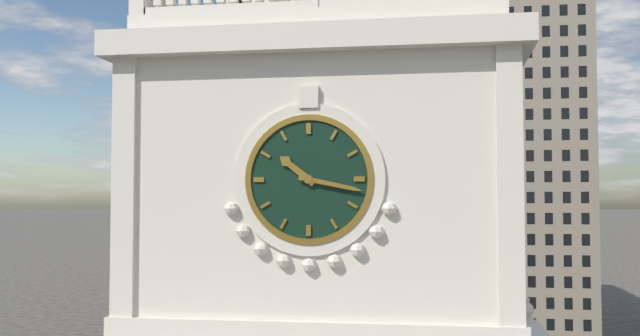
10:17
